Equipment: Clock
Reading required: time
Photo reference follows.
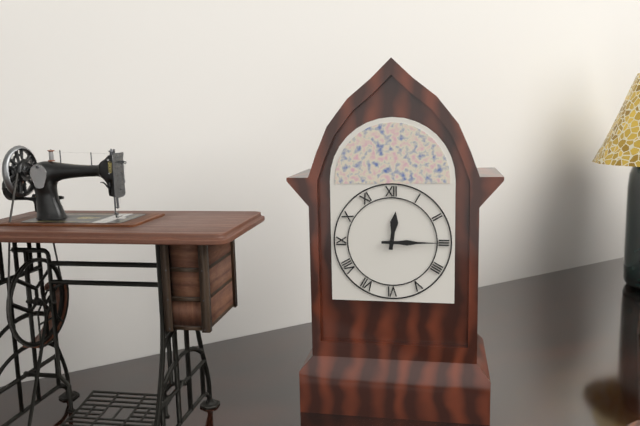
12:15
